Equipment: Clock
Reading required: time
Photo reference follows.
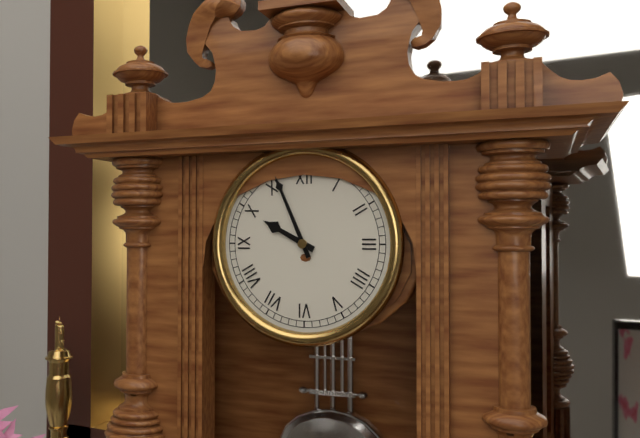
9:56
